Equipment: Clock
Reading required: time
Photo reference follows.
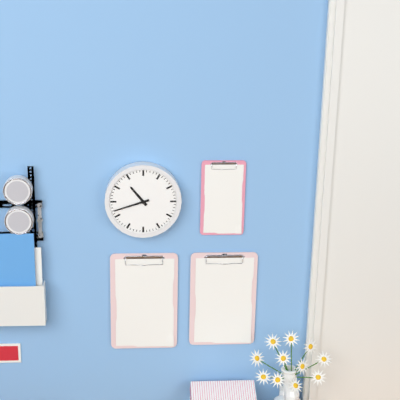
10:42
